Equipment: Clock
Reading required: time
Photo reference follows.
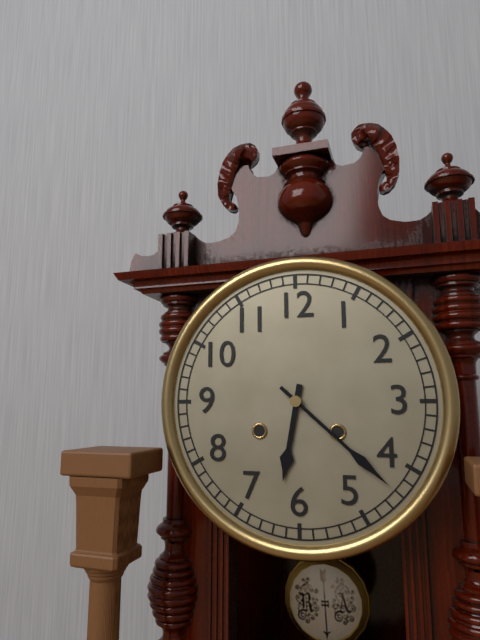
6:22
